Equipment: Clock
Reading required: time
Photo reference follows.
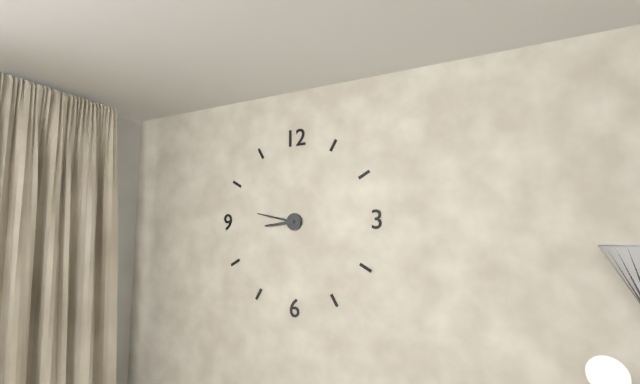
8:47
